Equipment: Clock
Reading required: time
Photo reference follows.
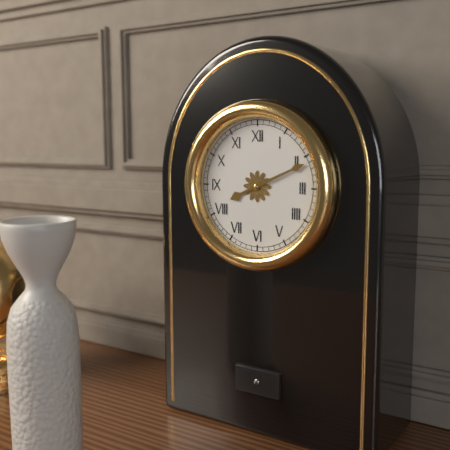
8:11
